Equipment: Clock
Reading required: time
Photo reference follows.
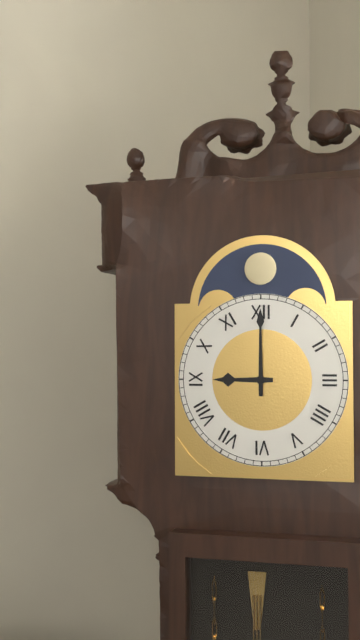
9:00
